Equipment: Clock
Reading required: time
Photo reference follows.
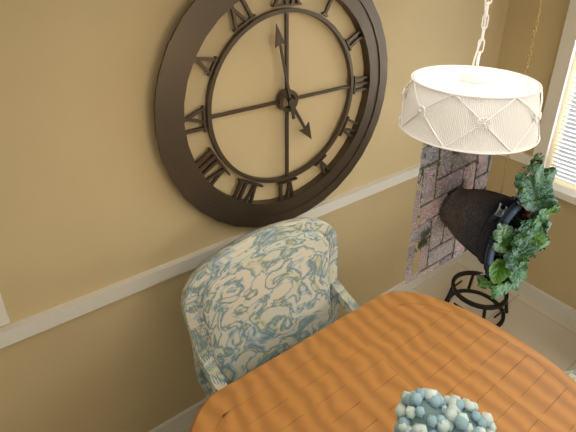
4:58
